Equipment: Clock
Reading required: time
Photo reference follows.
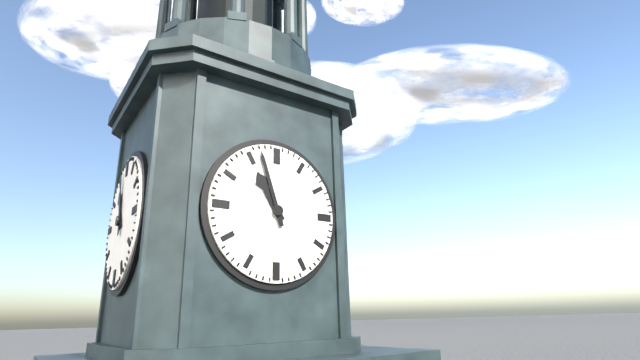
10:57
